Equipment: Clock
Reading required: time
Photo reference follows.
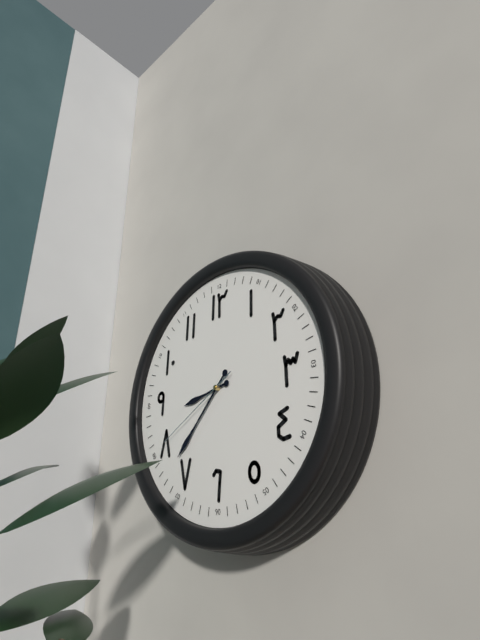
8:37:40
